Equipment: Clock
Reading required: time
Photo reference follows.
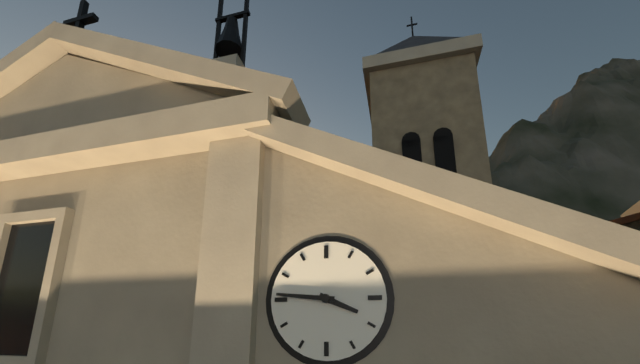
3:46
